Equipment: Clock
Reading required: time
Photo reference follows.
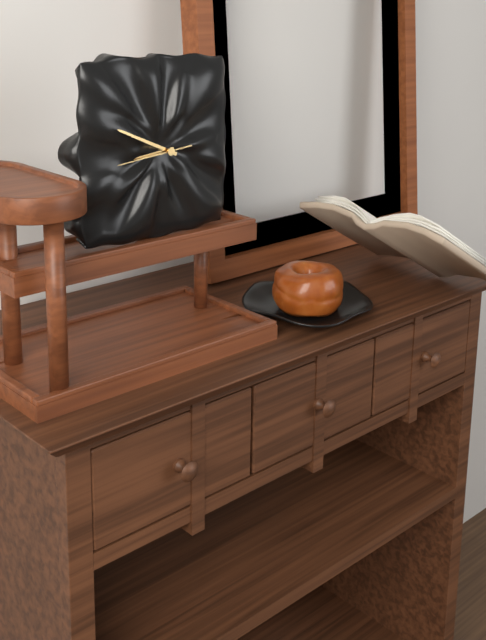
8:49:44
